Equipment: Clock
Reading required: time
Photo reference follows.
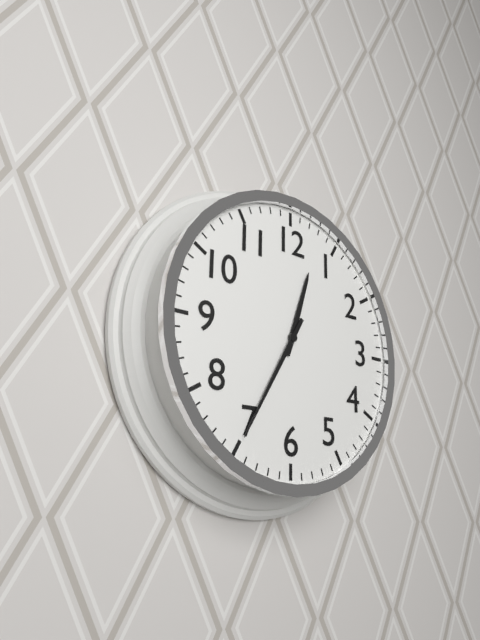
12:35
